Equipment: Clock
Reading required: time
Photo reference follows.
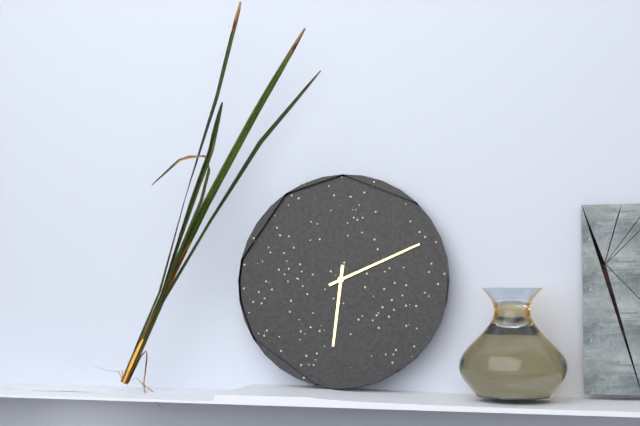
6:11
